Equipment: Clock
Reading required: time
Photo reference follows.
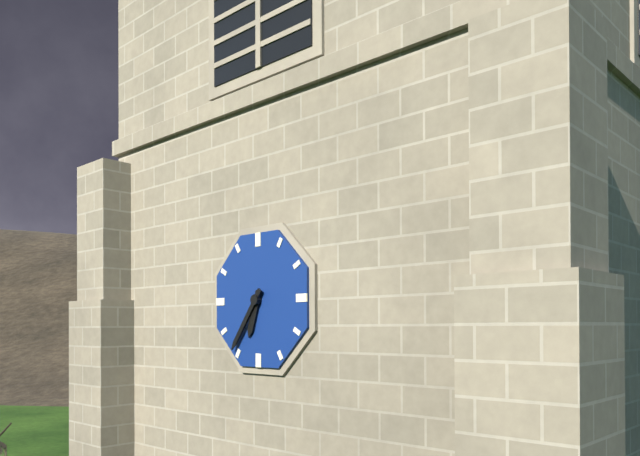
6:36
